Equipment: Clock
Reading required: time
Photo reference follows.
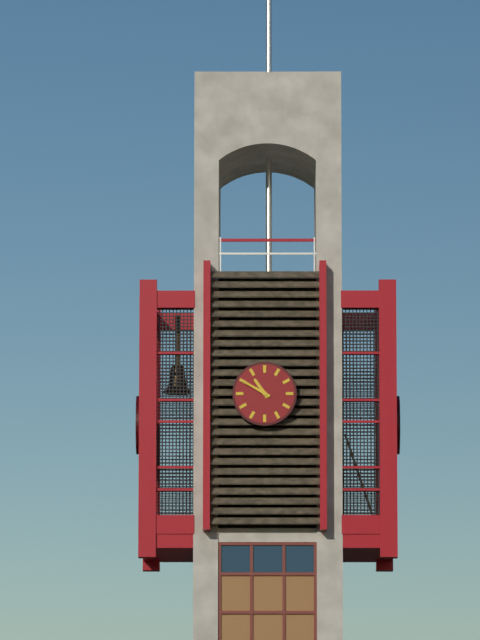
10:50
